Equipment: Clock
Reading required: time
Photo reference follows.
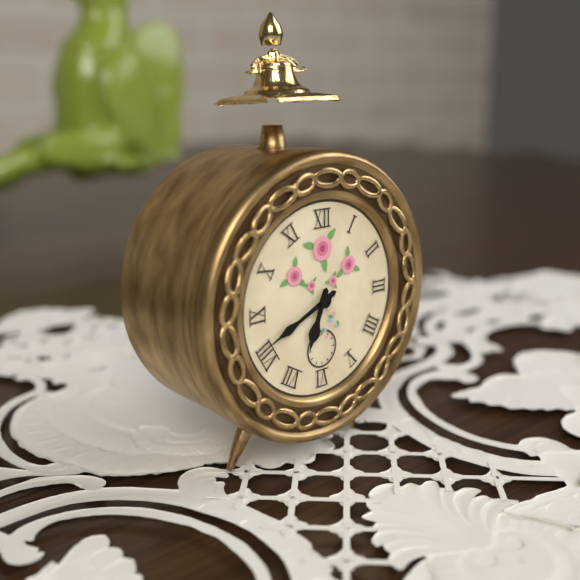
6:41
